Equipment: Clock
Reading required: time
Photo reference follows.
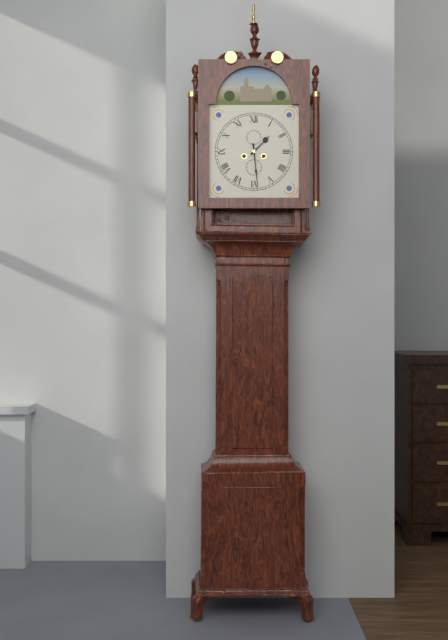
1:29
